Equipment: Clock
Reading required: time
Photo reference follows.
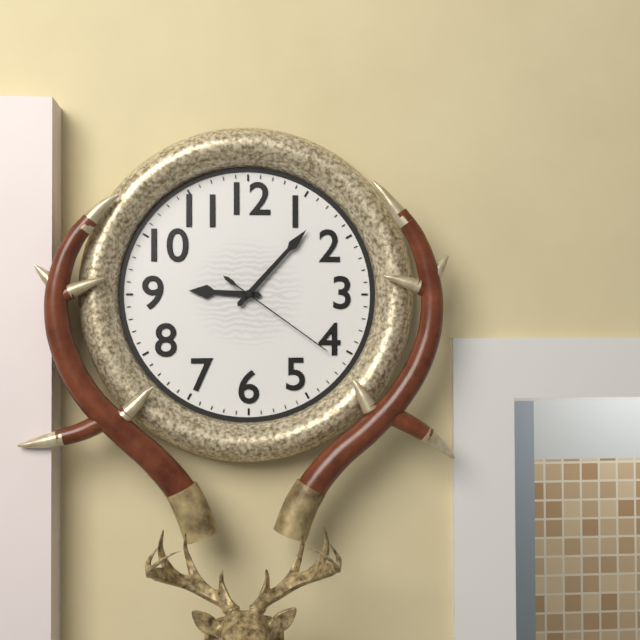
9:07:21
